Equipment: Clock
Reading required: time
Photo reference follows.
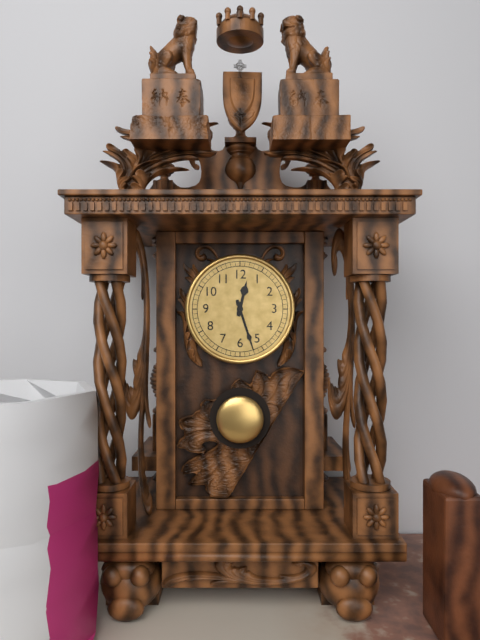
12:27
